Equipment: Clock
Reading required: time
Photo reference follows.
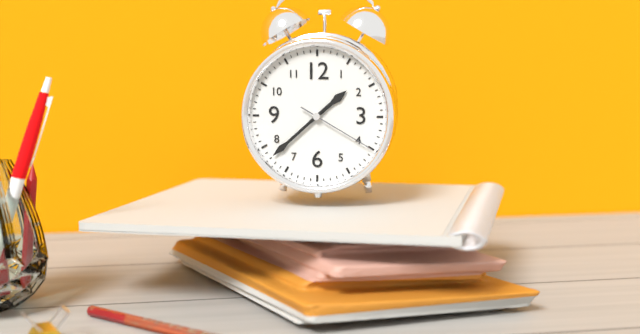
1:38:20
